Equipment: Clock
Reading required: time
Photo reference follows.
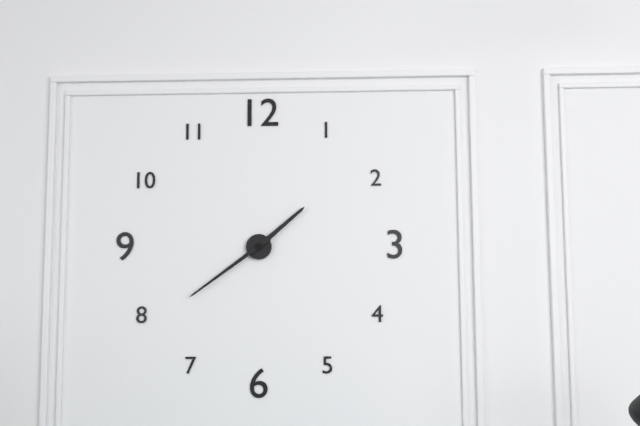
1:39
